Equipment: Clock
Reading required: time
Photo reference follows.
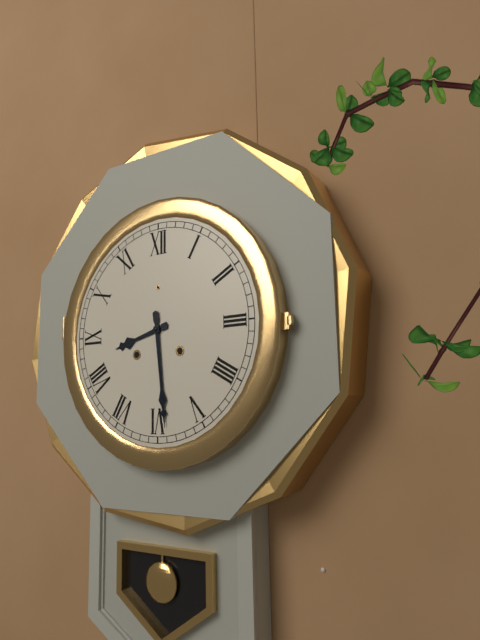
8:29
